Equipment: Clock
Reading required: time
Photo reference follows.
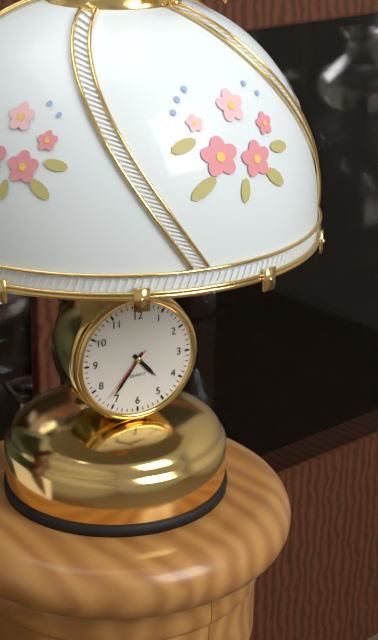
4:36:37
